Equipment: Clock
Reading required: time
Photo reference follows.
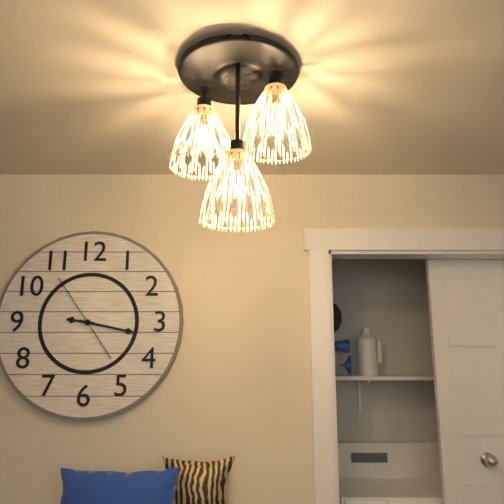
9:17:54
